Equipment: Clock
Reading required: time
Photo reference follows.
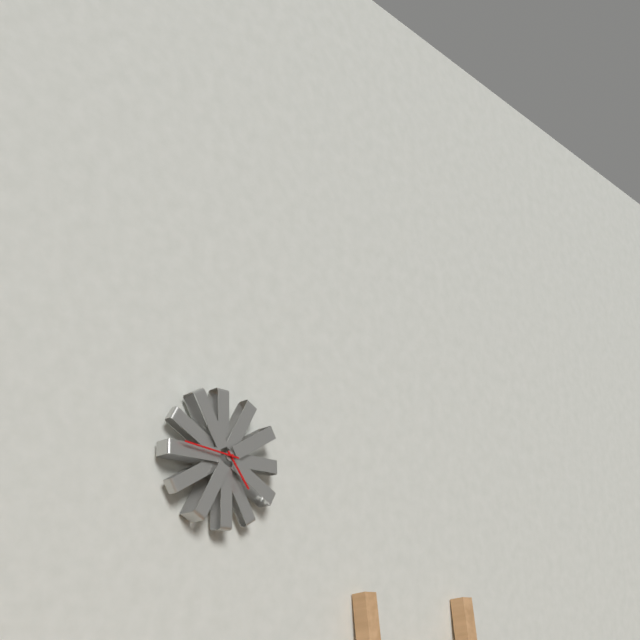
4:46
